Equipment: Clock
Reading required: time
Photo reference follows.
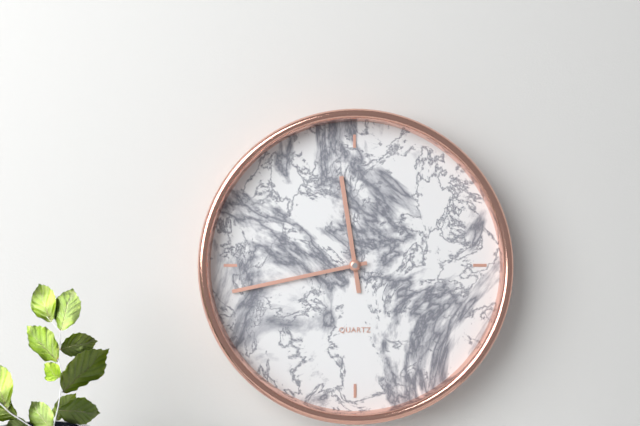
11:43
